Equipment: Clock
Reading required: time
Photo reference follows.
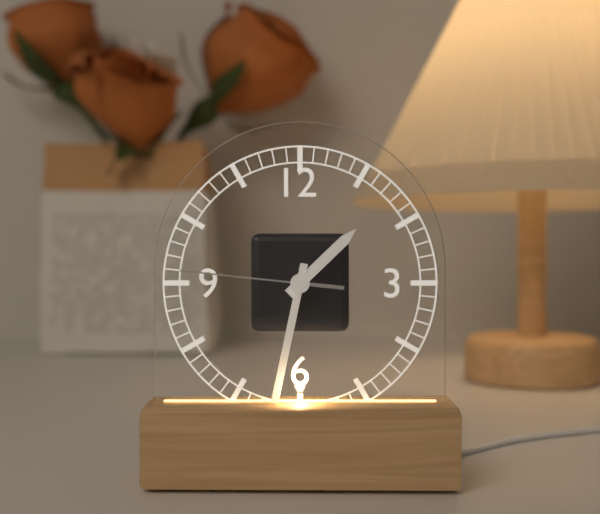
1:32:46
